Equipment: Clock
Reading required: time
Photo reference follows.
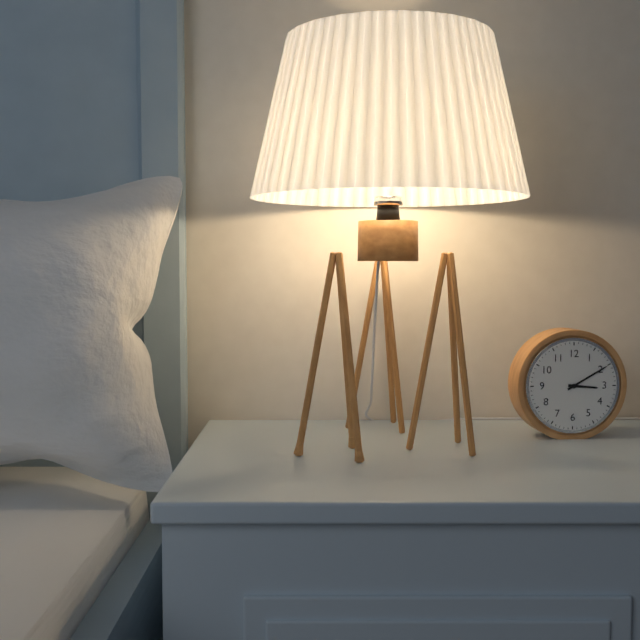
3:10
